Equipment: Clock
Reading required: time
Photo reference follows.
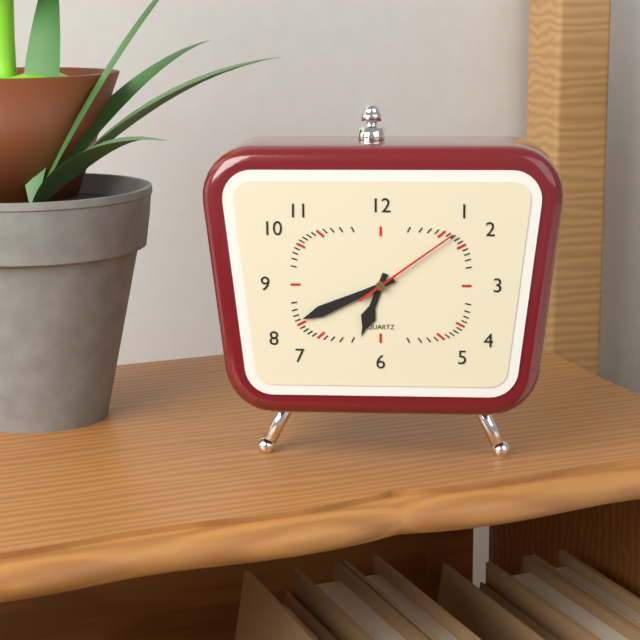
6:41:09
